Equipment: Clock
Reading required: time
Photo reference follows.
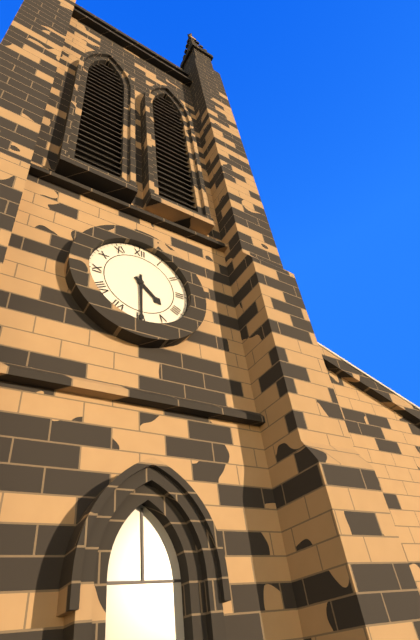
4:30
